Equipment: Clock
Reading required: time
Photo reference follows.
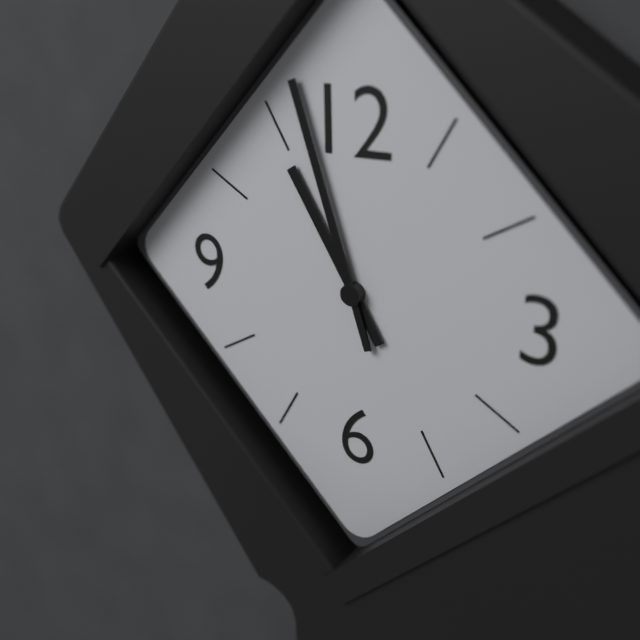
10:57
